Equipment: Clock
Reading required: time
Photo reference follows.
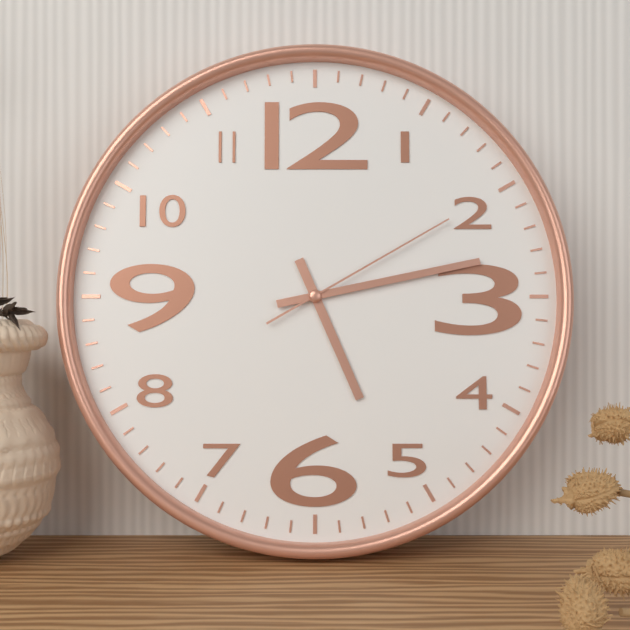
5:13:10
